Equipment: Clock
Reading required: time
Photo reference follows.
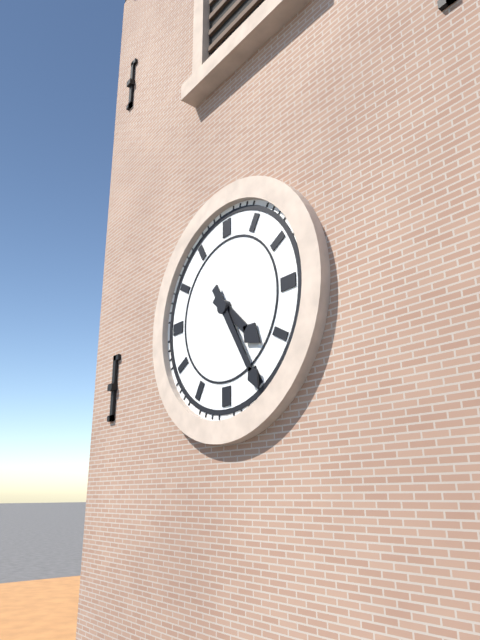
4:25
